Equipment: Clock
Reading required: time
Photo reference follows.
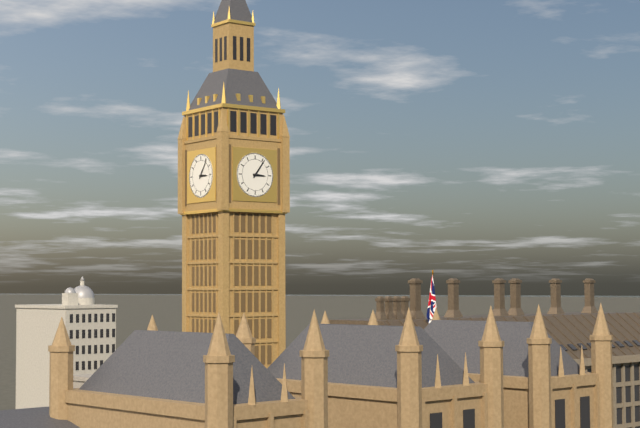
3:06
